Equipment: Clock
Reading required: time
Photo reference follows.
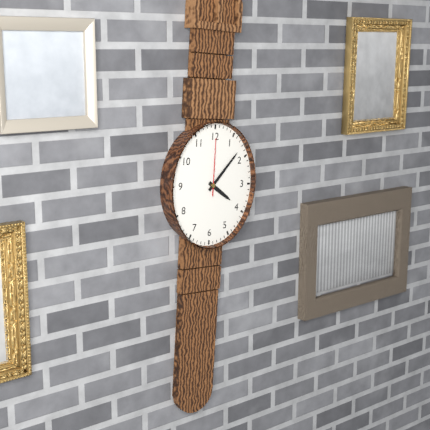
4:07:00
